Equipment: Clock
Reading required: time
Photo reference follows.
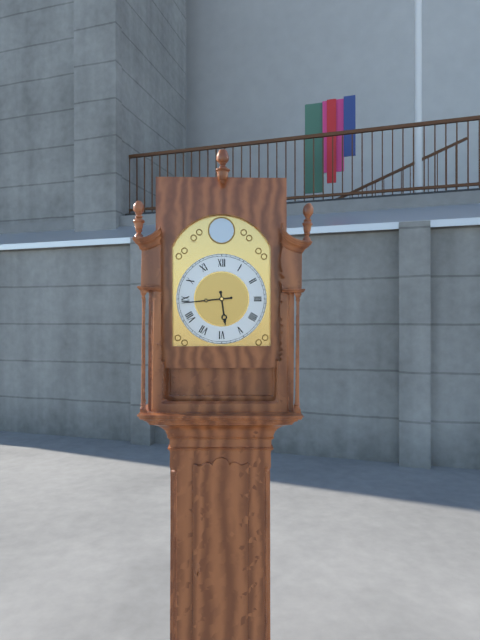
5:44
